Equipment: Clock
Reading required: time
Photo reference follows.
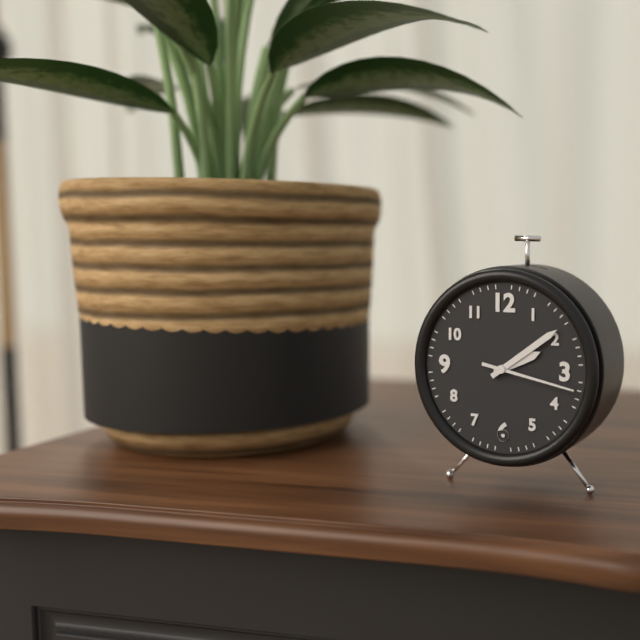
2:09:17
